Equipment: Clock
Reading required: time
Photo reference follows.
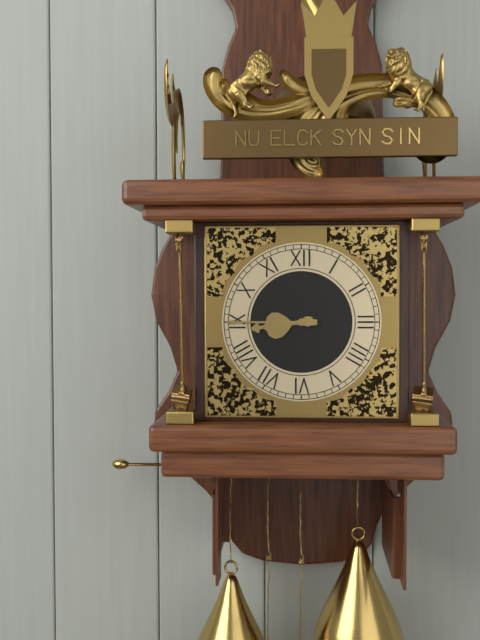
8:45
